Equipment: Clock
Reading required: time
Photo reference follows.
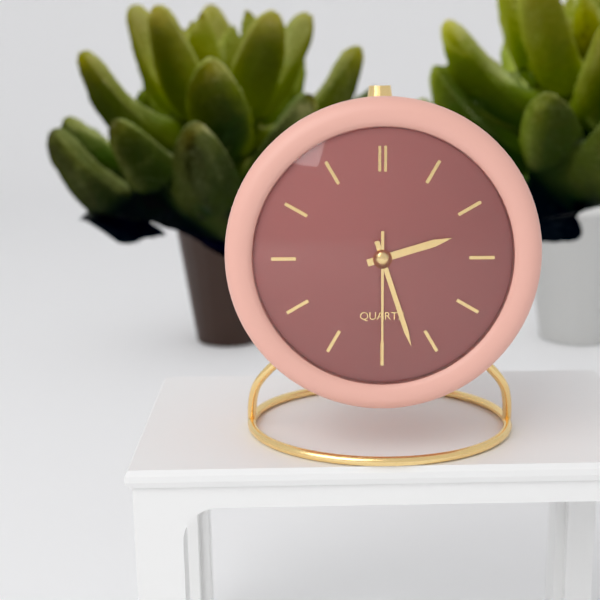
2:27:30
